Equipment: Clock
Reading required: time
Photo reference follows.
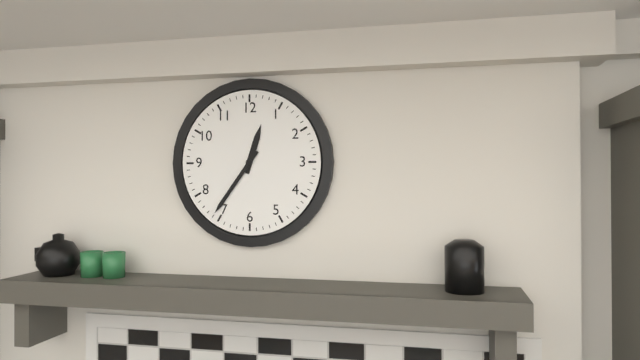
12:36
